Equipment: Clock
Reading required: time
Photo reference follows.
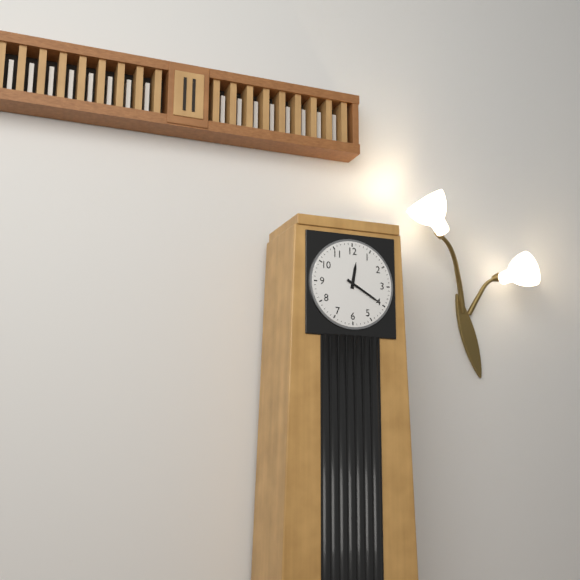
12:20
